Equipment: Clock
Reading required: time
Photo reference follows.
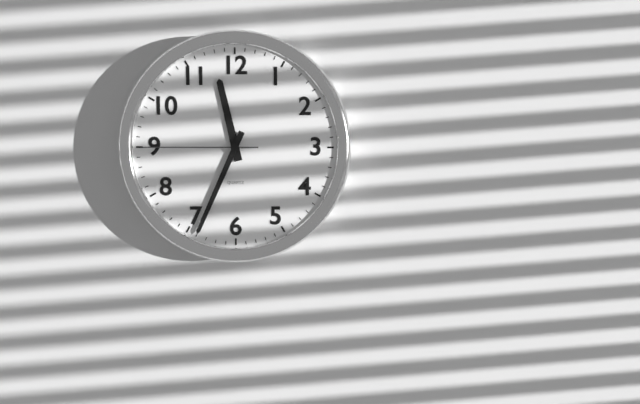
11:34:45
